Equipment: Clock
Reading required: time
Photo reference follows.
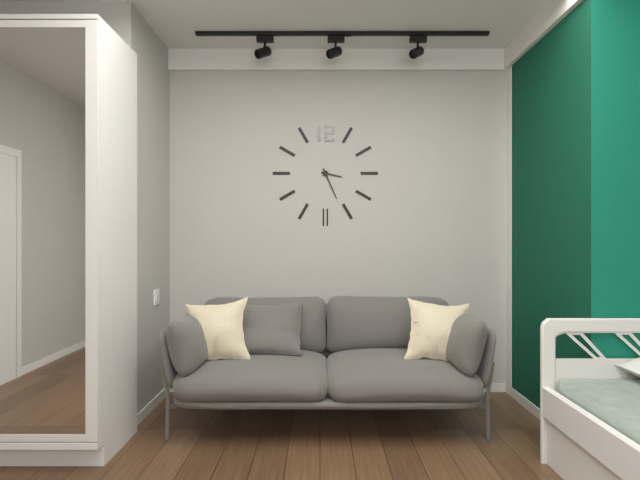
3:26
